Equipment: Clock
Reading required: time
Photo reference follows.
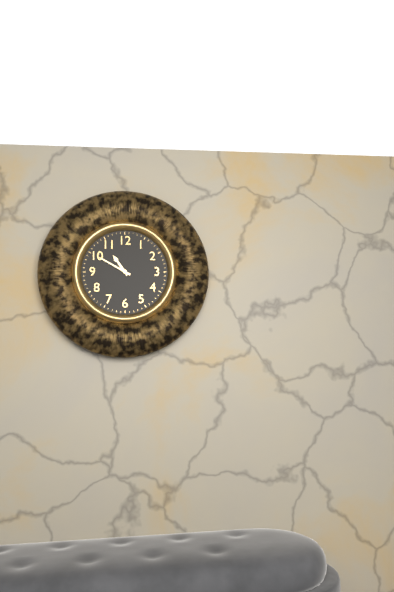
10:50
